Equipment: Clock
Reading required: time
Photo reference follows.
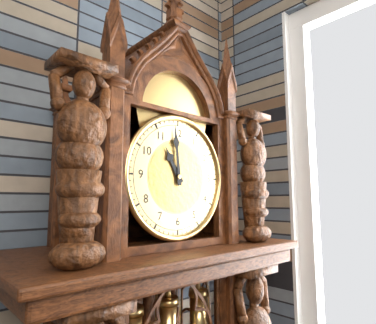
10:59
